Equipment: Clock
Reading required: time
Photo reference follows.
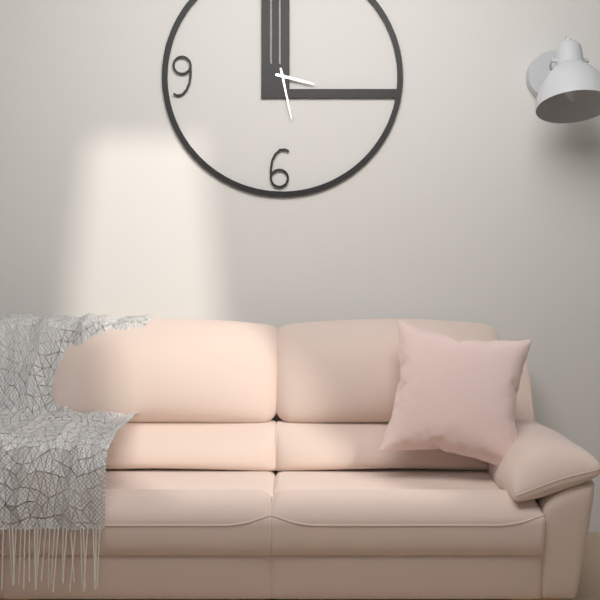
3:28
